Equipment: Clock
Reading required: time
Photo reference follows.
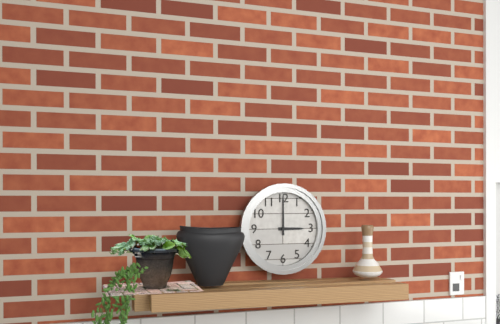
3:00
